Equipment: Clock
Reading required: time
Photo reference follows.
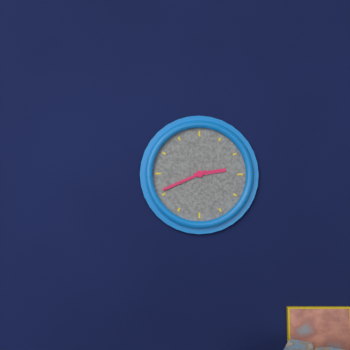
2:41
